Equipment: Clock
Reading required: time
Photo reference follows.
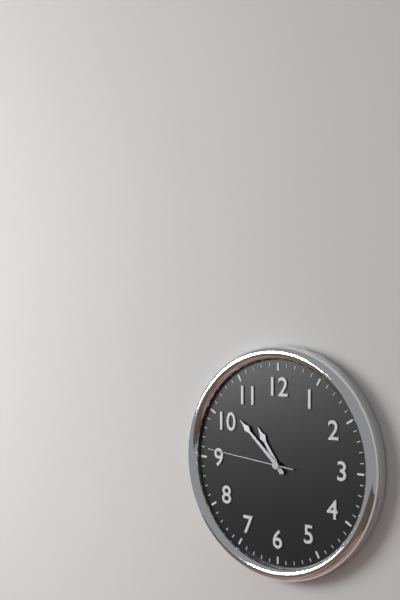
10:52:46
